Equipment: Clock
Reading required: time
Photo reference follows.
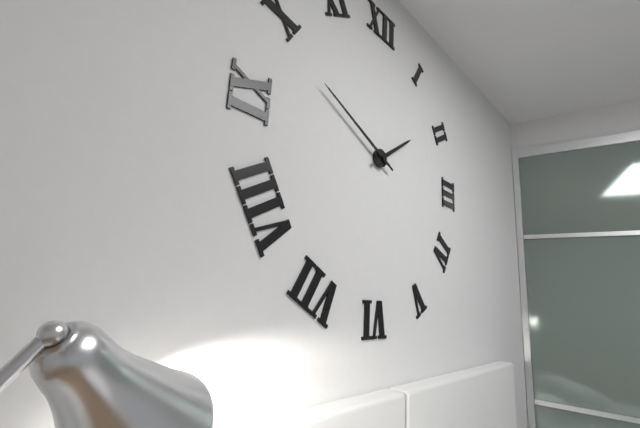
1:49
